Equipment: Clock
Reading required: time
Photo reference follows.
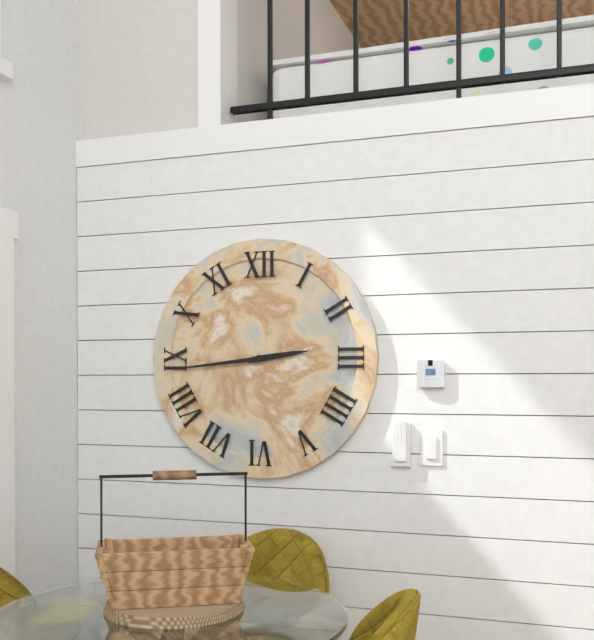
2:44
